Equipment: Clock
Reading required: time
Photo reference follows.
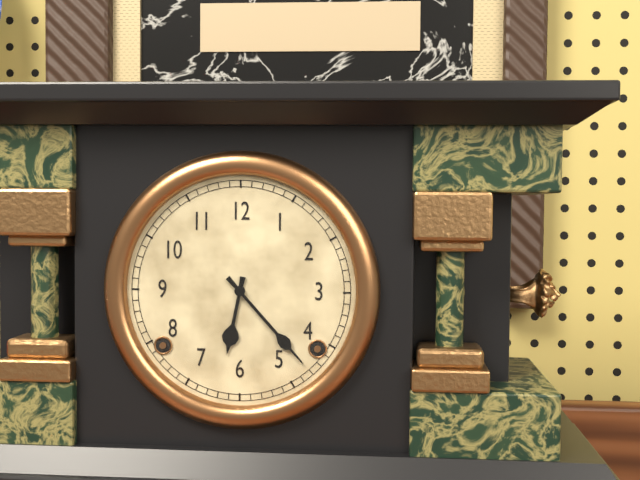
6:23
